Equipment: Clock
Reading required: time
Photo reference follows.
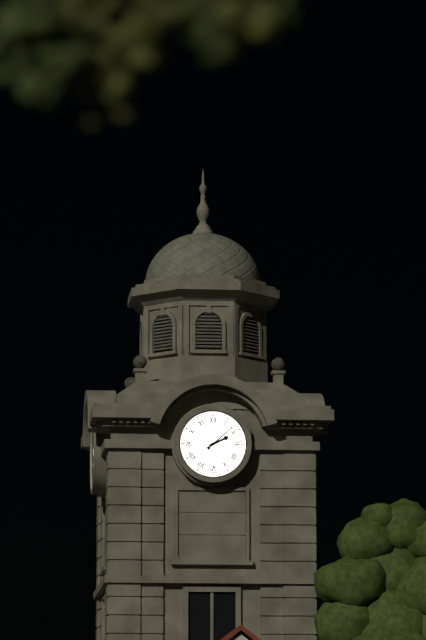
2:08
